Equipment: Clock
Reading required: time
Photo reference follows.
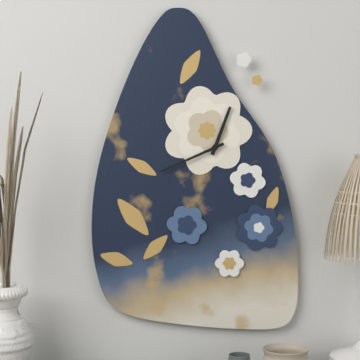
12:41
